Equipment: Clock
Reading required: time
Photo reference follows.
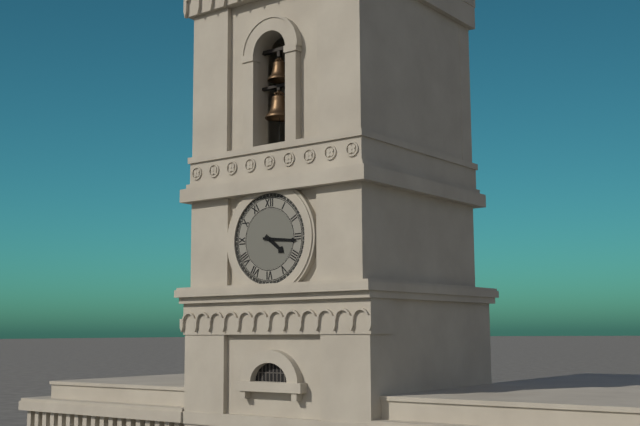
4:16
